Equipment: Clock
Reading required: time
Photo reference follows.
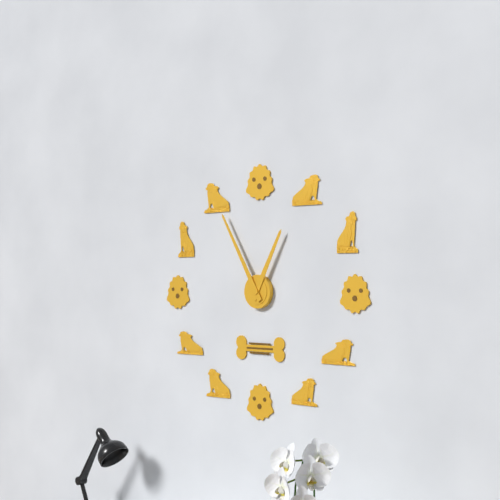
12:55
